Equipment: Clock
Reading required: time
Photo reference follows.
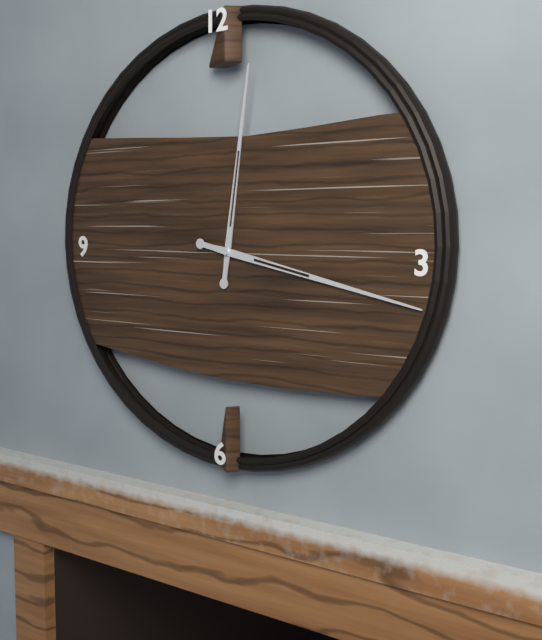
12:17
